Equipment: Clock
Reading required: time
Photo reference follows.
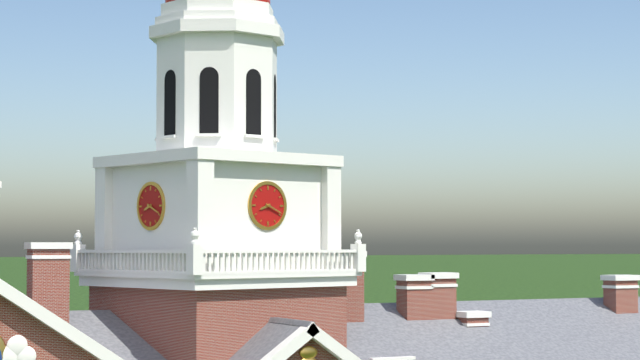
8:19
